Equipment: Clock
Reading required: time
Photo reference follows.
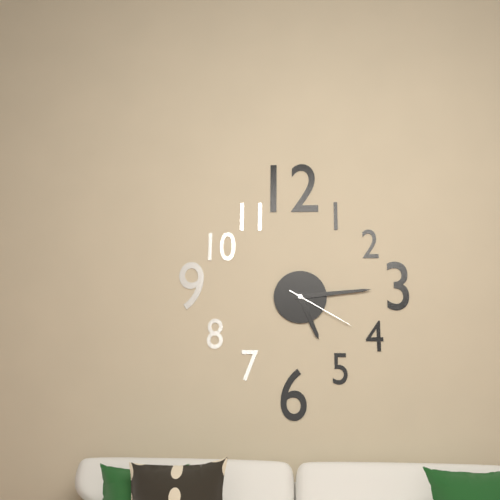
5:14:20
